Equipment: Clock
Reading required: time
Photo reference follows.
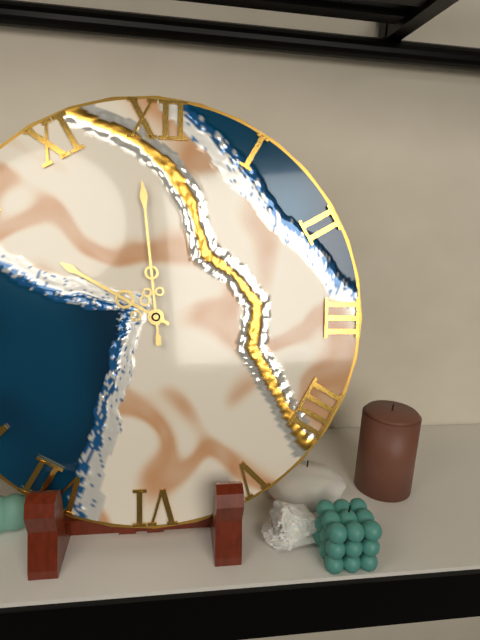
9:59
